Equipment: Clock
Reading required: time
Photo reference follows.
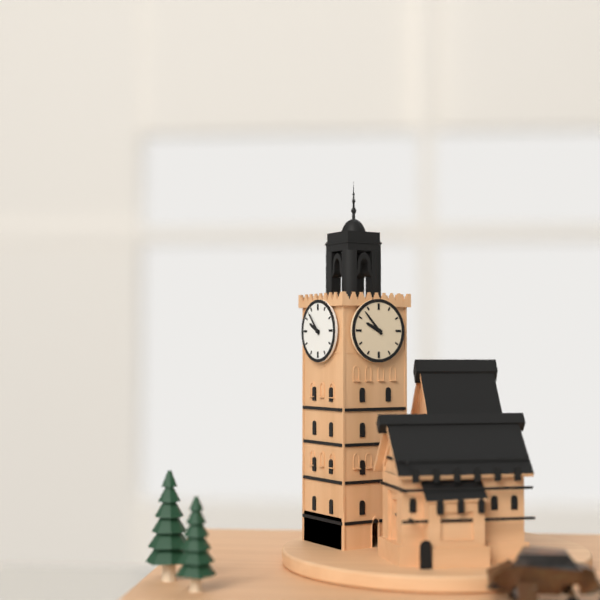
9:53
